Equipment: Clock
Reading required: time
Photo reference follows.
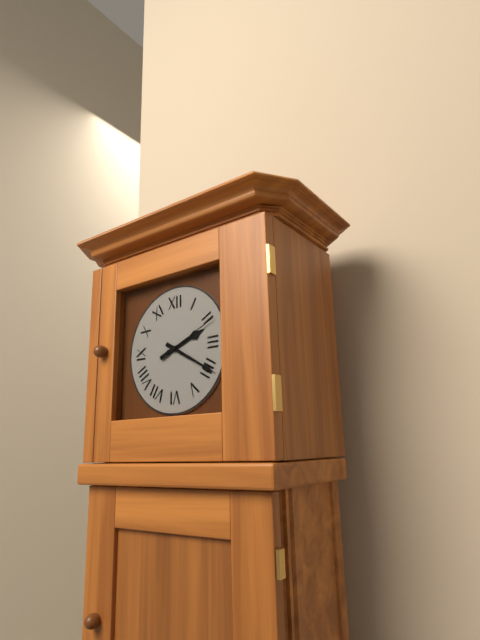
2:20:11
